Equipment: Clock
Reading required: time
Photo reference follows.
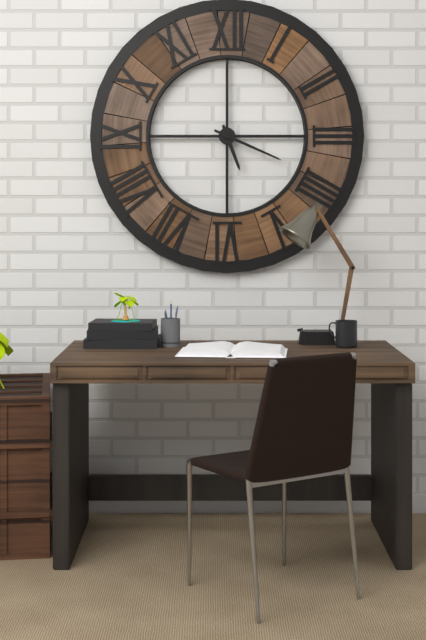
5:19
